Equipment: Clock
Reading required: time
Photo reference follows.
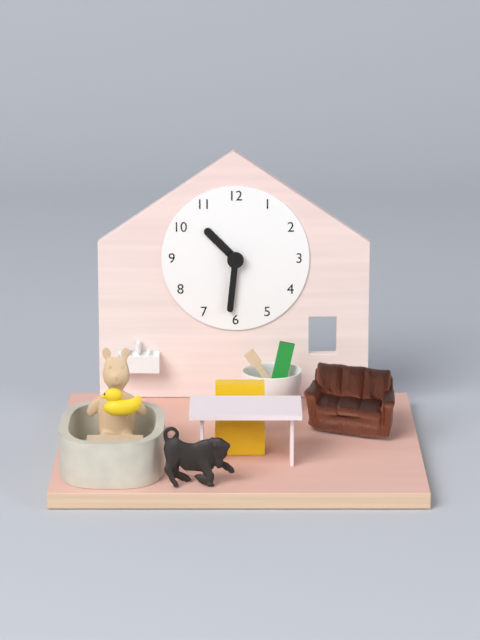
10:31
